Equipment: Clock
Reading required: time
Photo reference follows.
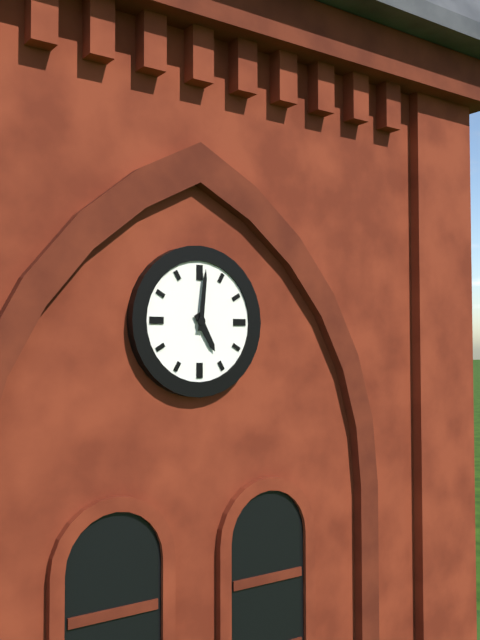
5:01
